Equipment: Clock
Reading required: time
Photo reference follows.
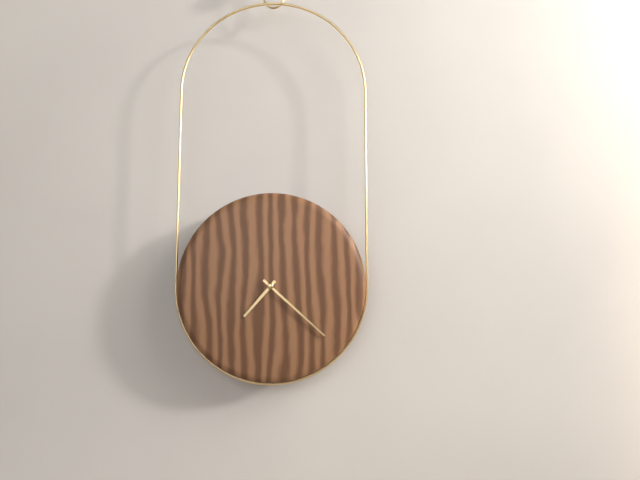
7:22
